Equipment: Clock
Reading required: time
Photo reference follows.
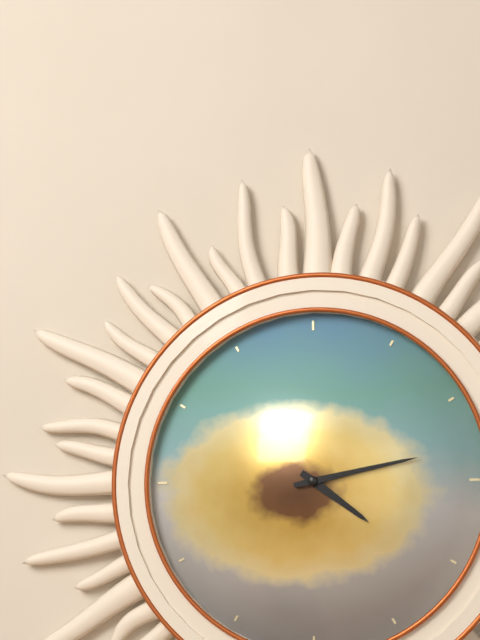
4:13
